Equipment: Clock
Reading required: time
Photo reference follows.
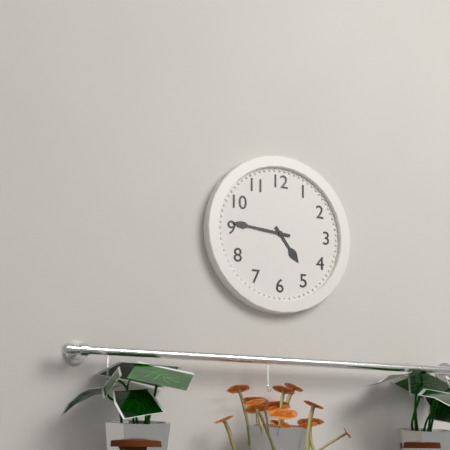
4:46
